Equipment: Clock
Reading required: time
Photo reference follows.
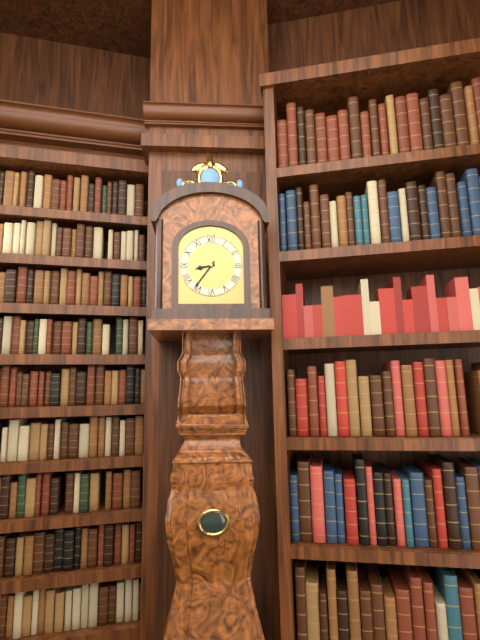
8:36
